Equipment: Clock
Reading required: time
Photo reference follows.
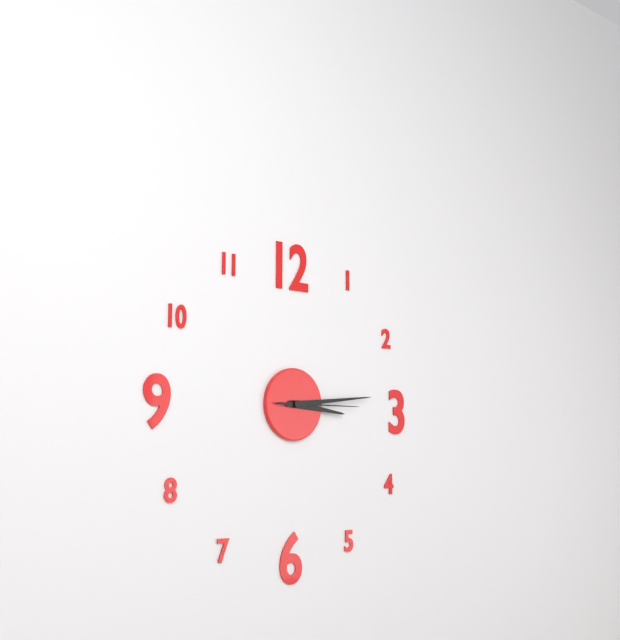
3:14:15
